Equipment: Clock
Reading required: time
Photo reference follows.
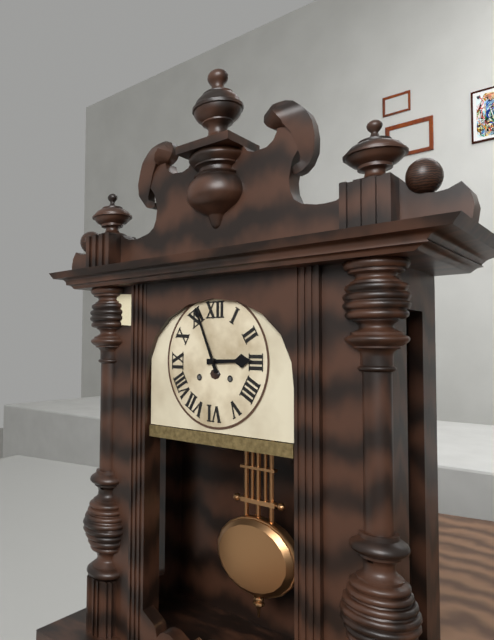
2:56
